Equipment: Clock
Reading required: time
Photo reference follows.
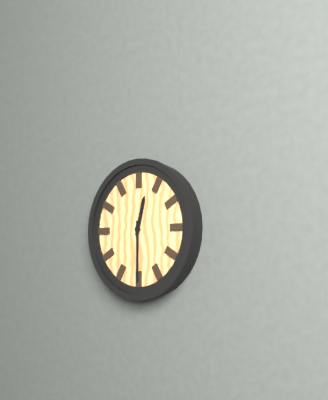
12:30
